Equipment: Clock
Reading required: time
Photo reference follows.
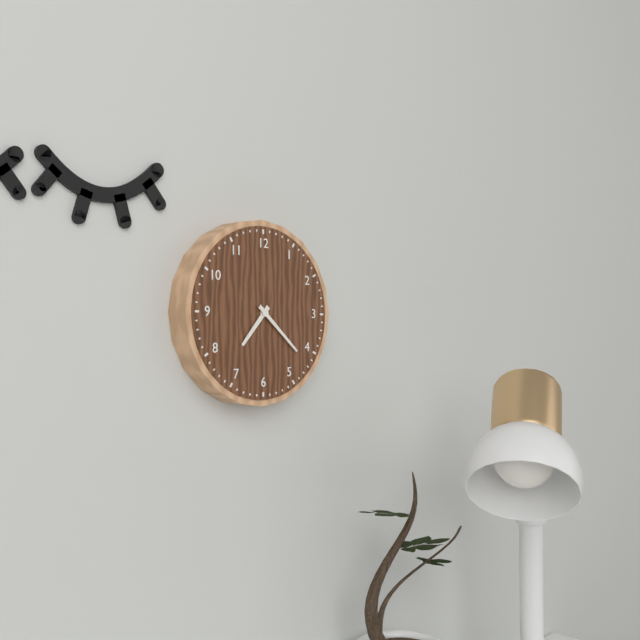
7:22
